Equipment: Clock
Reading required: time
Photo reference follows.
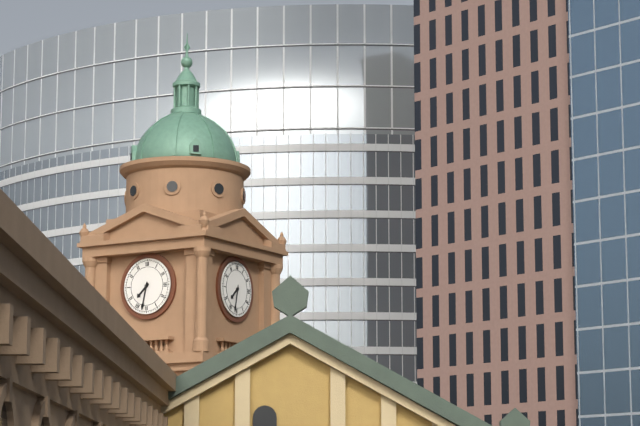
7:32
